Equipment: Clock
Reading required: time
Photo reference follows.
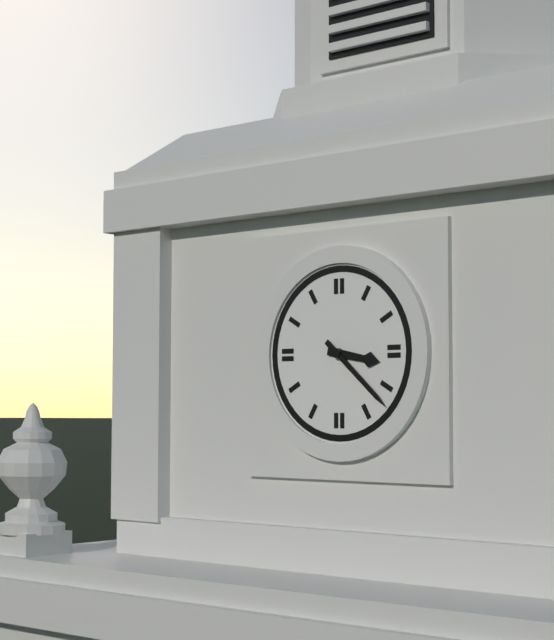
3:22
